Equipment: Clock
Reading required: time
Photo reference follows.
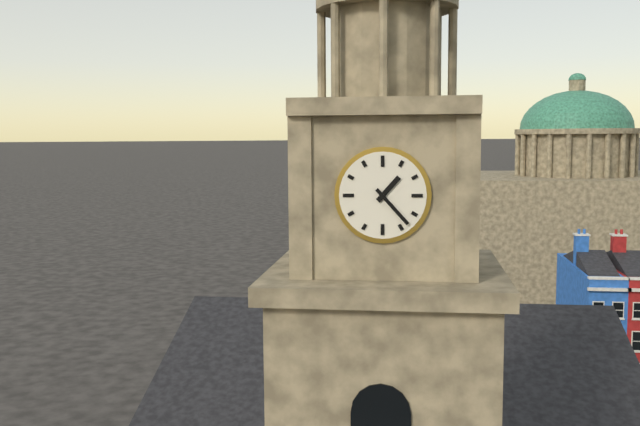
1:23
